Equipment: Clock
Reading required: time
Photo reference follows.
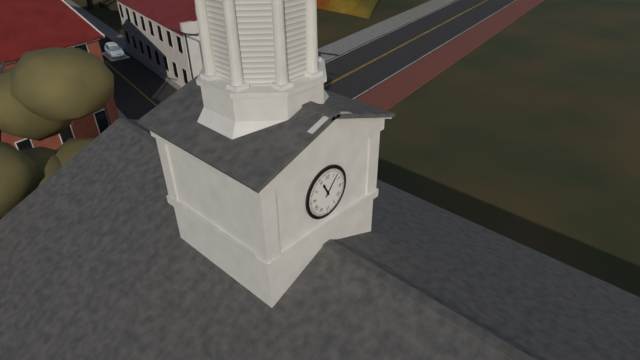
11:07
